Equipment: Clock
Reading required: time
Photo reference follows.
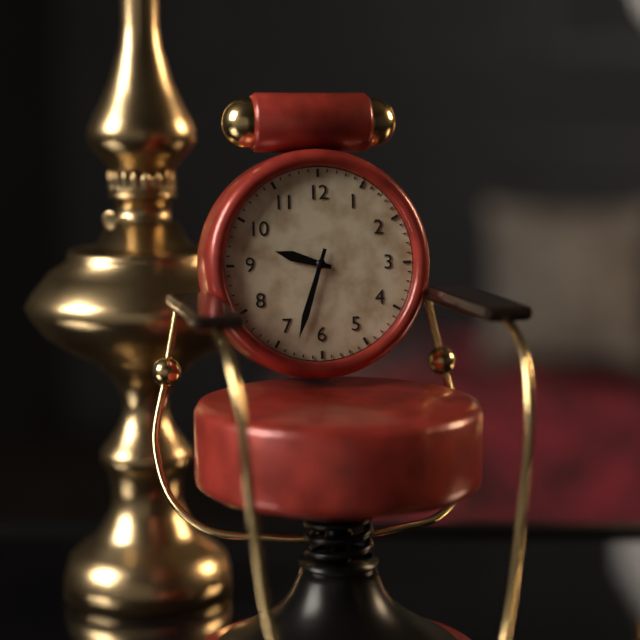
9:33
